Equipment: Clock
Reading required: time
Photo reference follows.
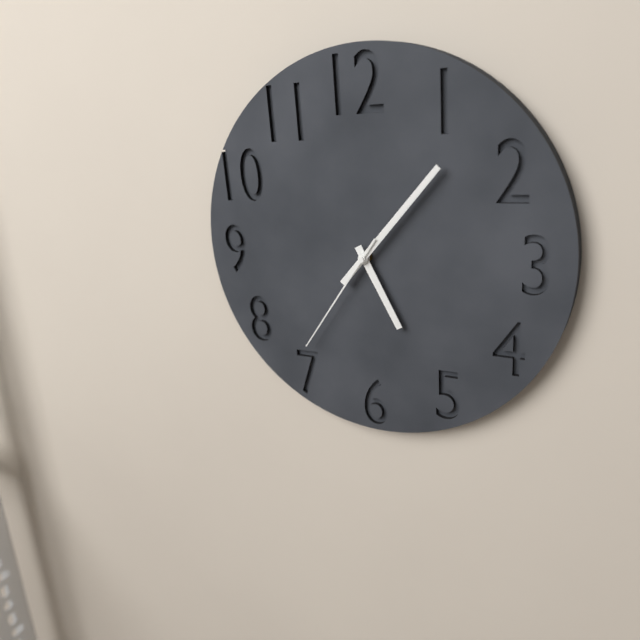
5:07:36
